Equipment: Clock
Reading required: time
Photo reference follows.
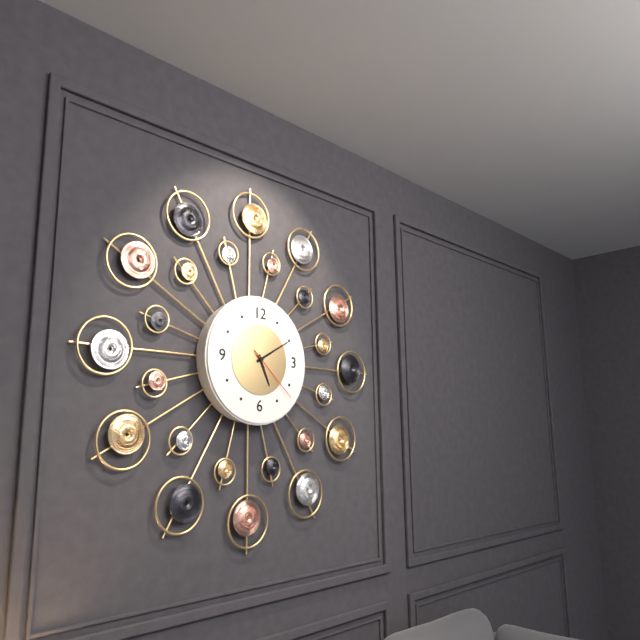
5:10:22
